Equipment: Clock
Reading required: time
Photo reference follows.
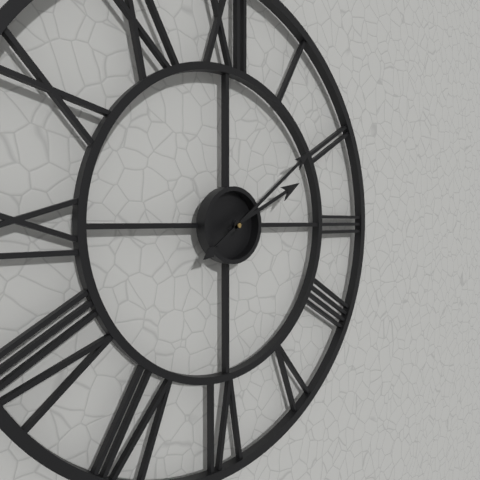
2:09
